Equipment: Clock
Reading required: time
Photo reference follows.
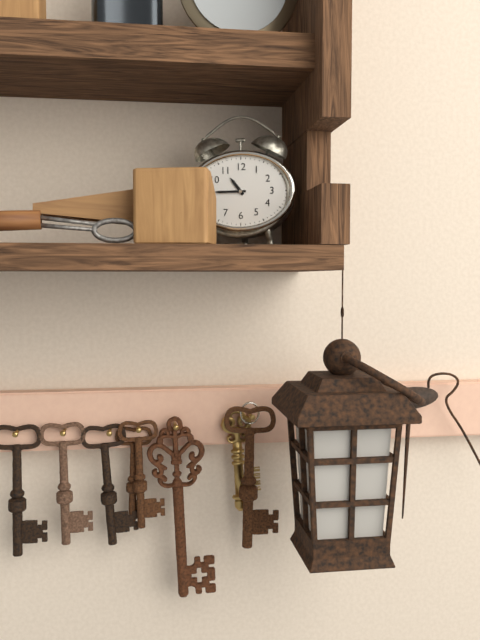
10:45
